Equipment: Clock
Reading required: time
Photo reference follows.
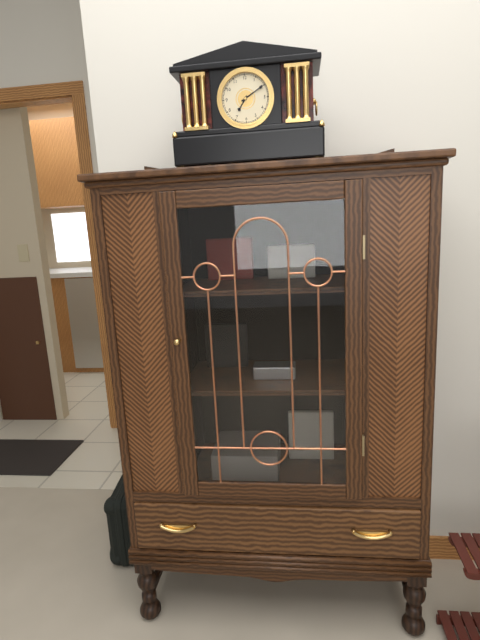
7:10
